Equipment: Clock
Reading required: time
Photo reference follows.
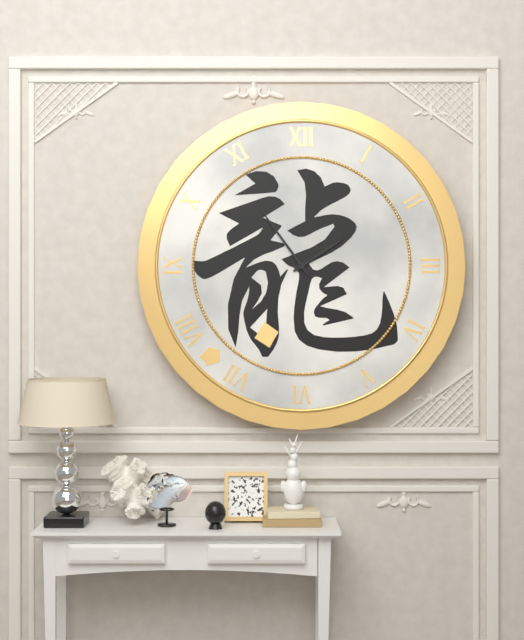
1:54
